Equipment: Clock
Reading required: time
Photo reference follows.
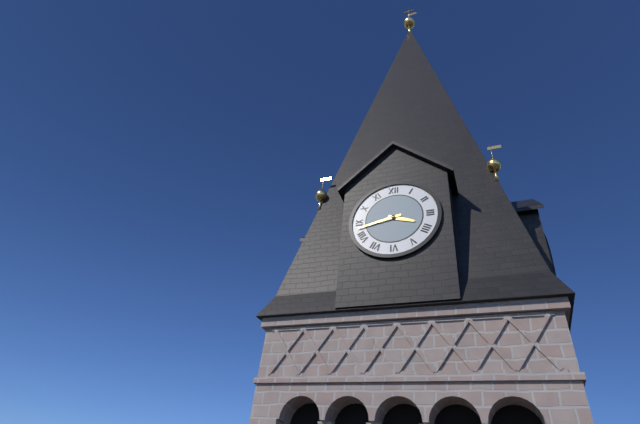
3:43
